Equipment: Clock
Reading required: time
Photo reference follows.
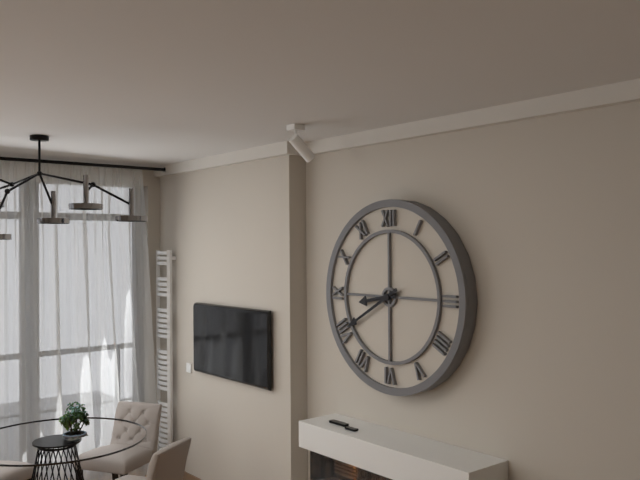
8:40
